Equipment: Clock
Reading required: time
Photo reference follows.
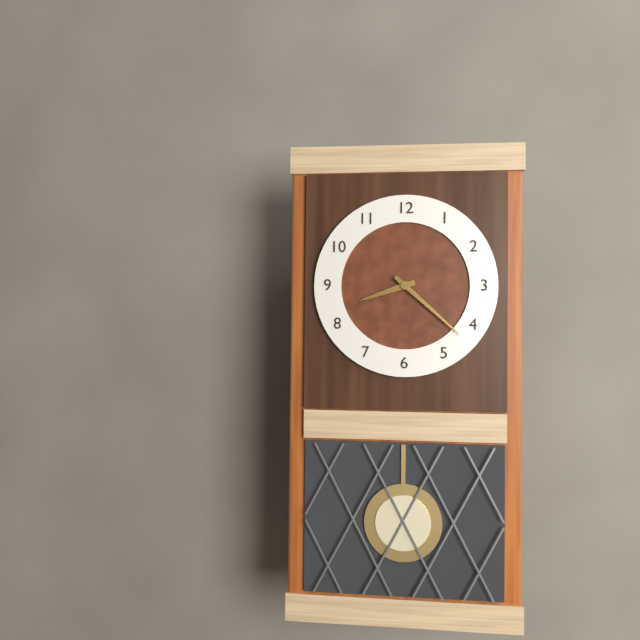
8:22
